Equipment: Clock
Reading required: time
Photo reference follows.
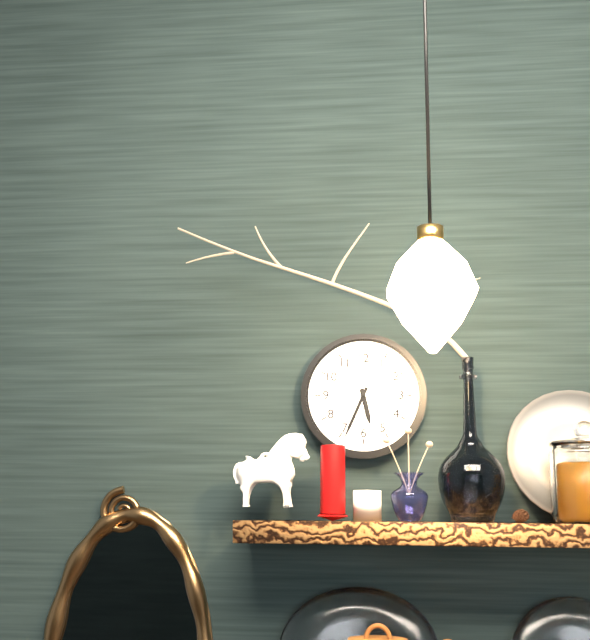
5:34
